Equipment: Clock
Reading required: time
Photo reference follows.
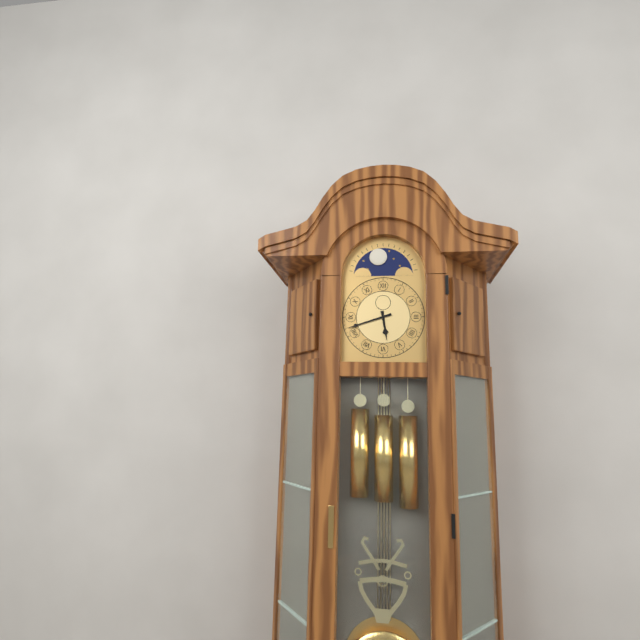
5:42
